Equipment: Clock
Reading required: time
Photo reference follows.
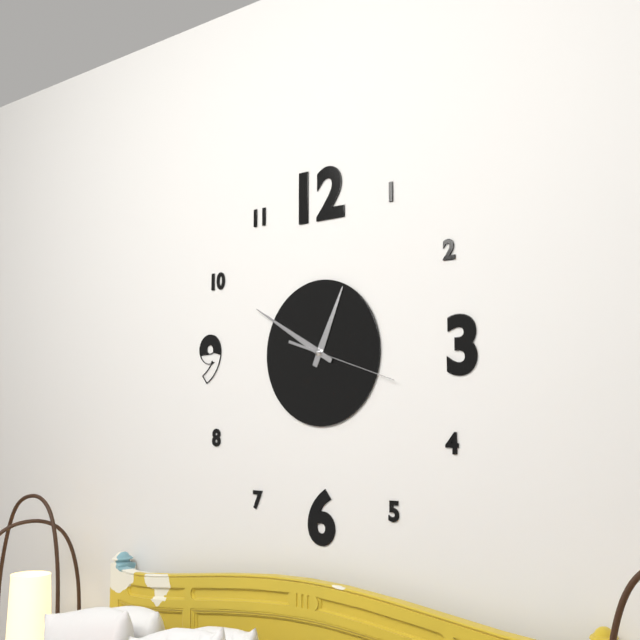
12:50:18
